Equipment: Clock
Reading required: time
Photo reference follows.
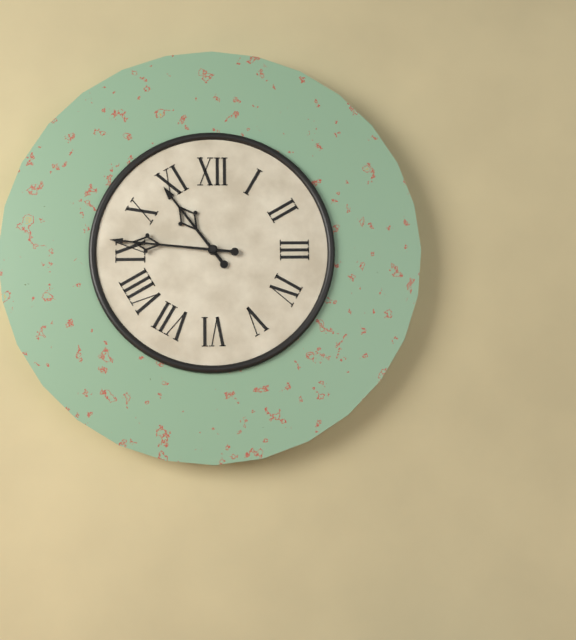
10:46
